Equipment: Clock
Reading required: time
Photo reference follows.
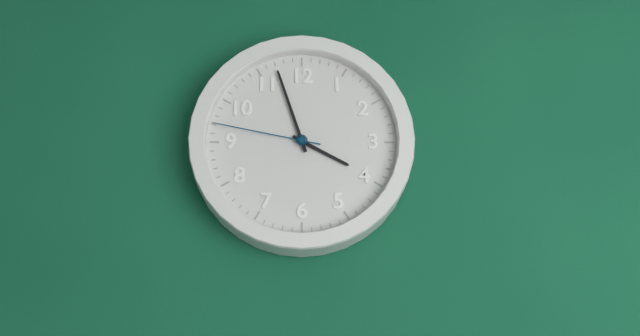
3:57:47
